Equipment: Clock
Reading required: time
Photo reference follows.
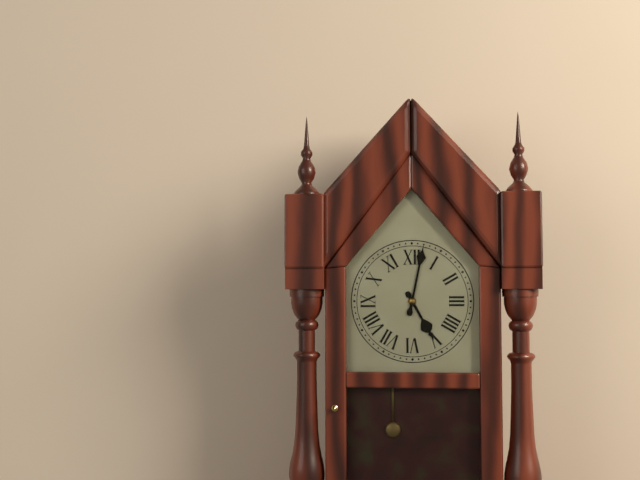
5:02
